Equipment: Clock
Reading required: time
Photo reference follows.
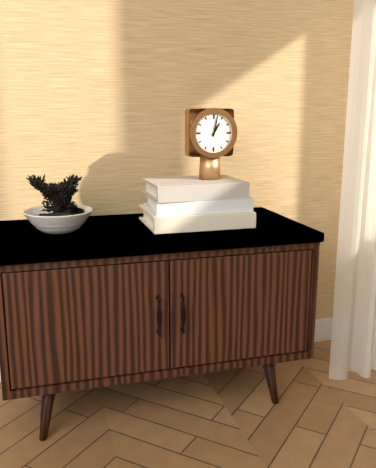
1:02
